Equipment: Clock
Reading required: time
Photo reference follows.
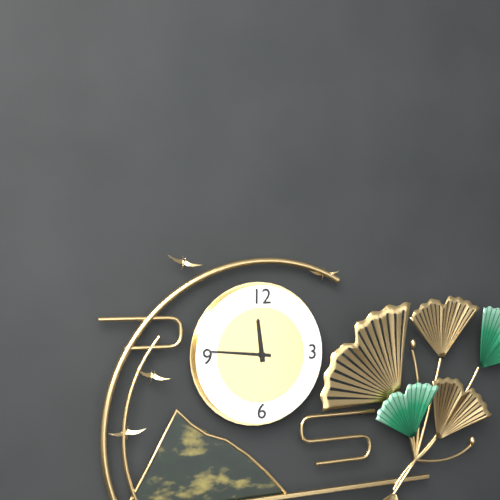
11:46
